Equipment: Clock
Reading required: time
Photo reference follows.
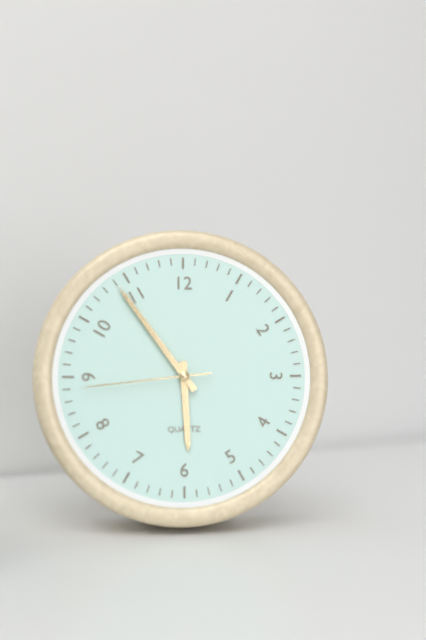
5:54:44
